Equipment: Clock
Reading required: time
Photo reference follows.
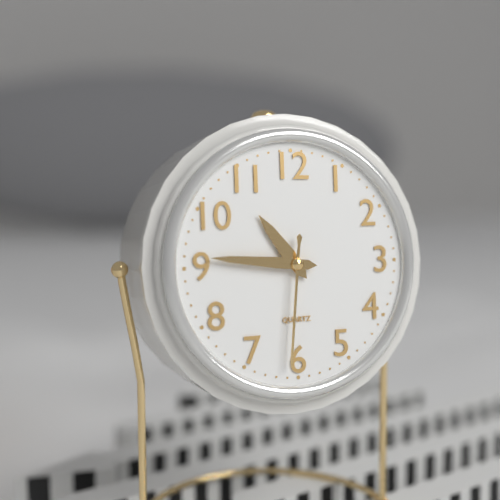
10:46:31
